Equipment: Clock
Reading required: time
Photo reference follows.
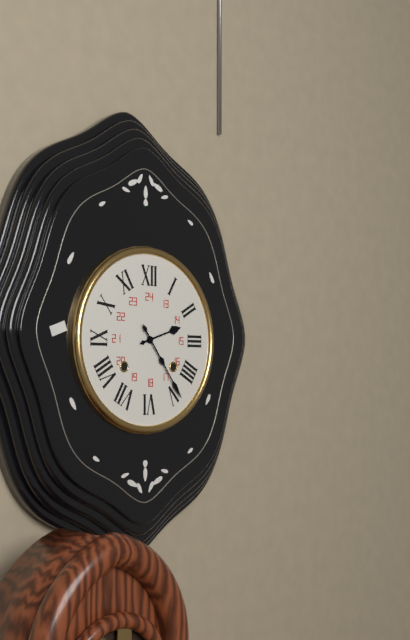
2:24
